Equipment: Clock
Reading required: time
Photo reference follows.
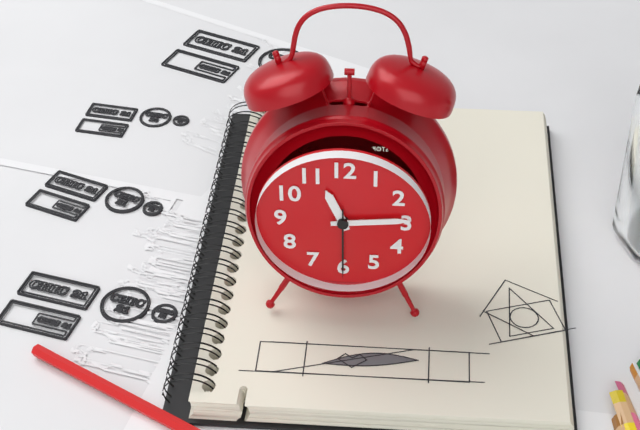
11:14:30
